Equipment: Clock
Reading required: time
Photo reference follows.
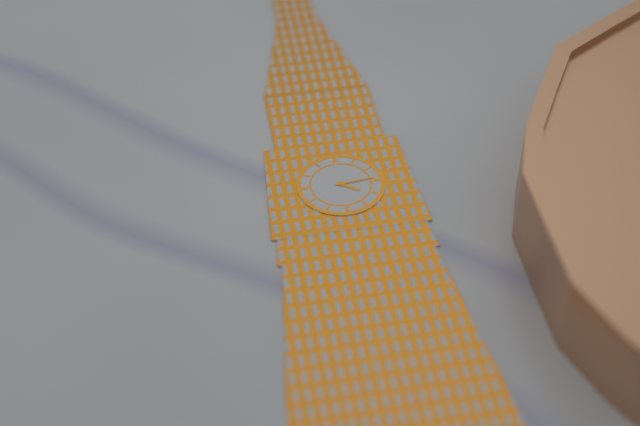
4:14
